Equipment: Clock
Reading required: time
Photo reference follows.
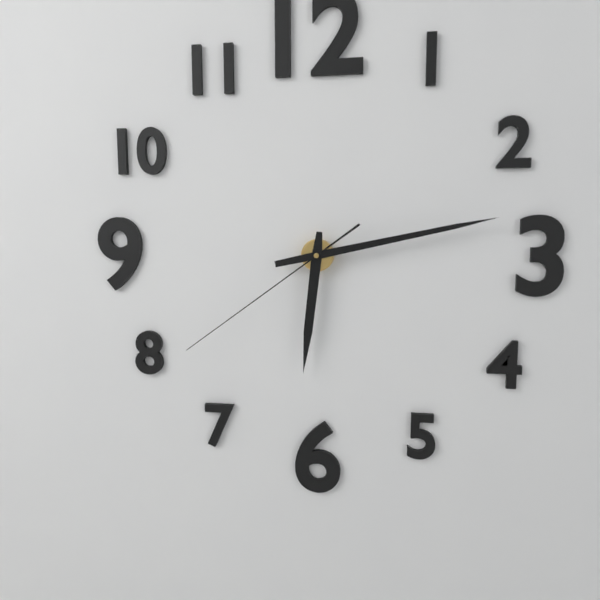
6:13:39
